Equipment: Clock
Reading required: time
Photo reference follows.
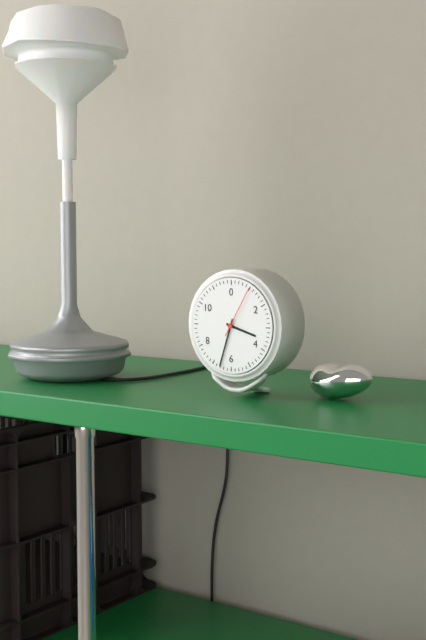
3:33:05
